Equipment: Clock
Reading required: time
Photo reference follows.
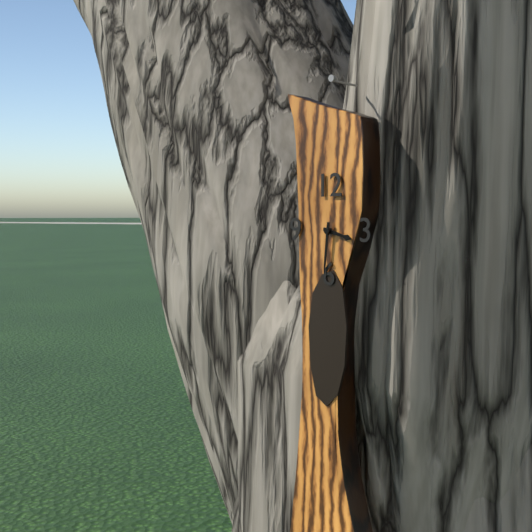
3:31
